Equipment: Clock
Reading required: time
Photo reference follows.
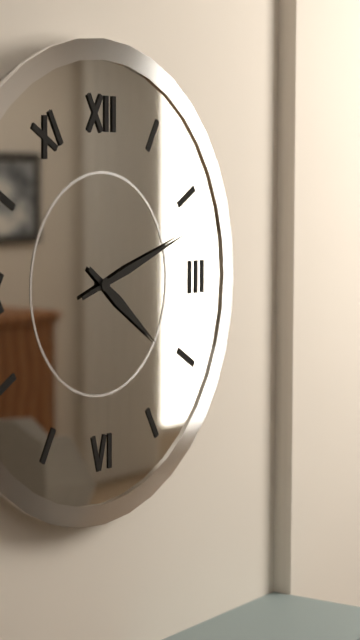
4:12
